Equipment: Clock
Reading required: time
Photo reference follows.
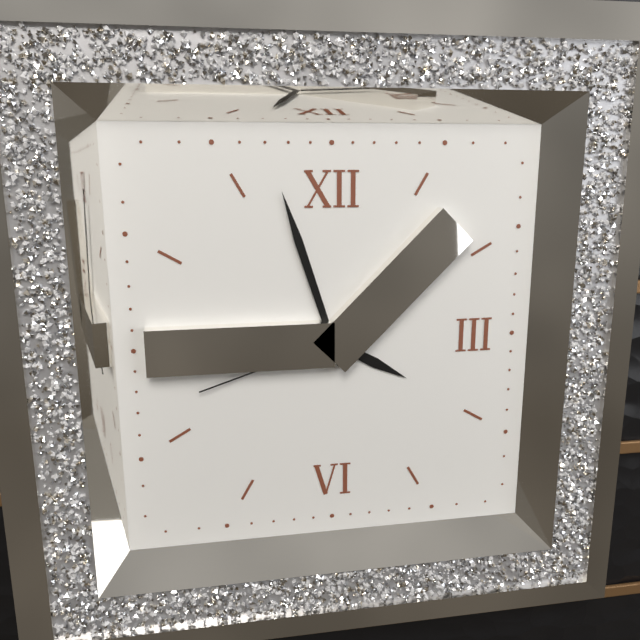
3:57:42
